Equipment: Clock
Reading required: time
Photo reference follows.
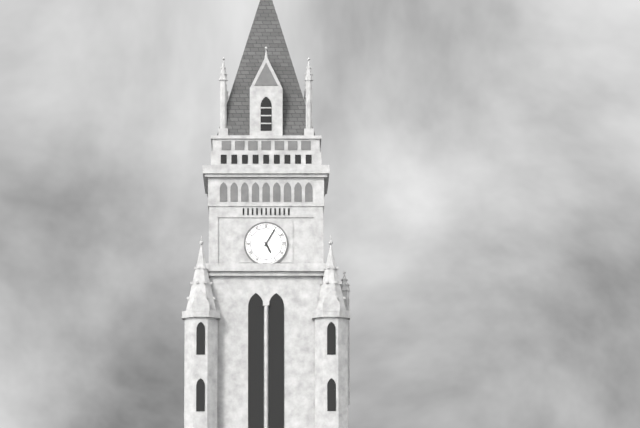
5:05
